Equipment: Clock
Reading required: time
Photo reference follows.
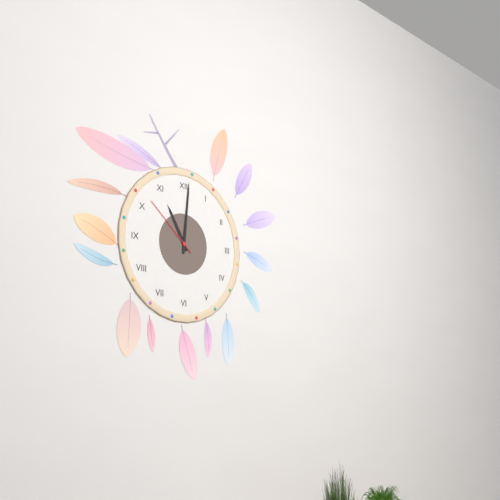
11:01:52
